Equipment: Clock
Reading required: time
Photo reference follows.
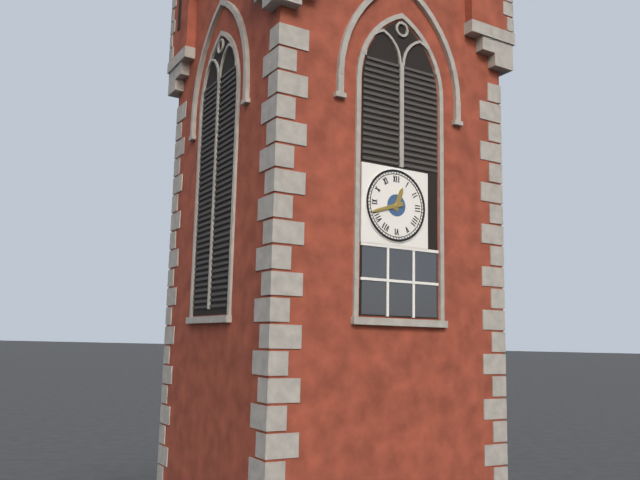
12:42
